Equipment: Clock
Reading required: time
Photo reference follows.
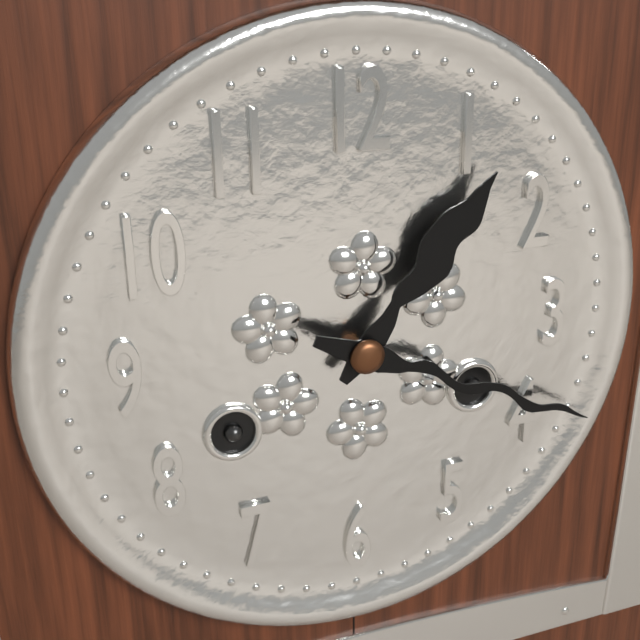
1:19
